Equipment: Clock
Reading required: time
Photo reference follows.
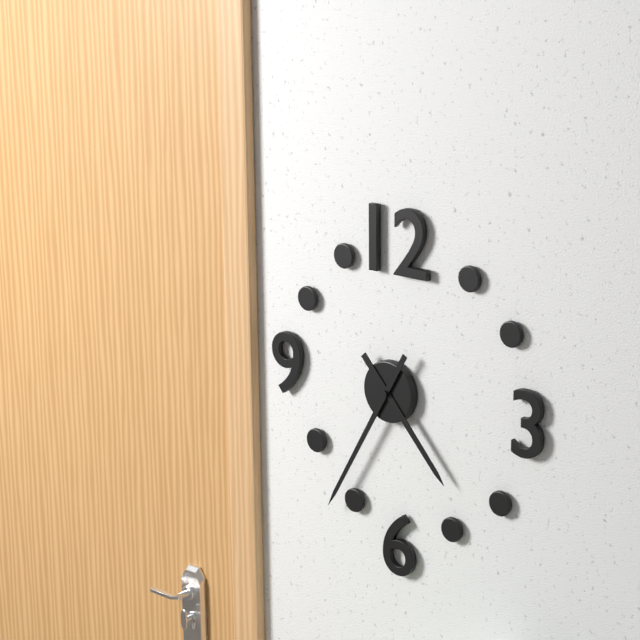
4:35
